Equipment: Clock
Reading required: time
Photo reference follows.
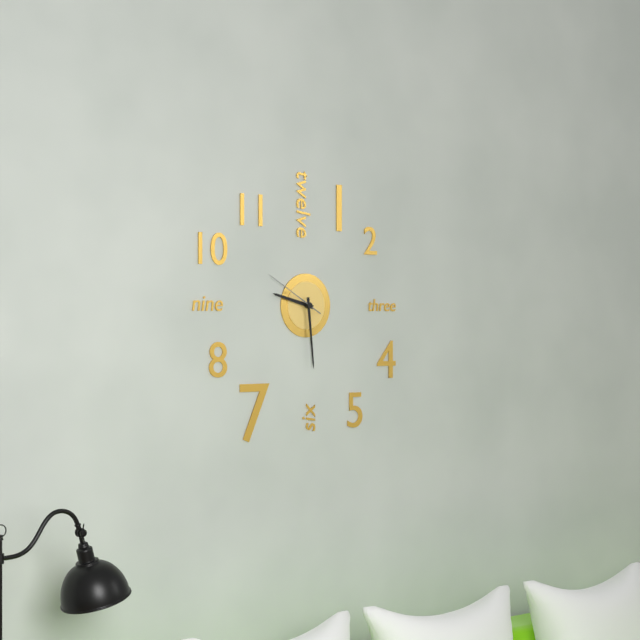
9:29:50
